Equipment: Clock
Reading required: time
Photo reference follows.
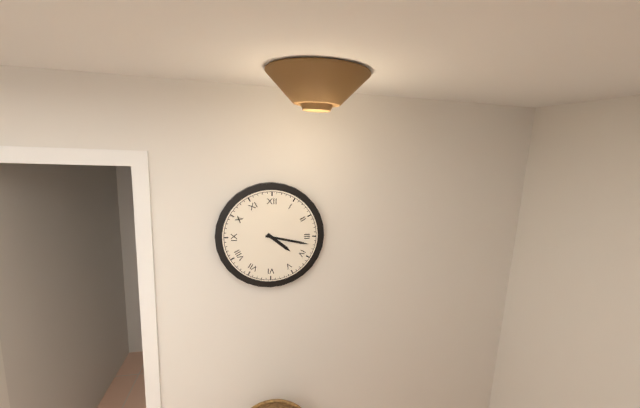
4:17
